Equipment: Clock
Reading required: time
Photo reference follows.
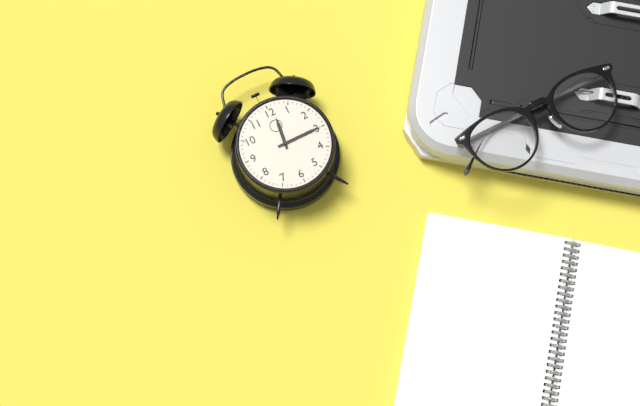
12:15
